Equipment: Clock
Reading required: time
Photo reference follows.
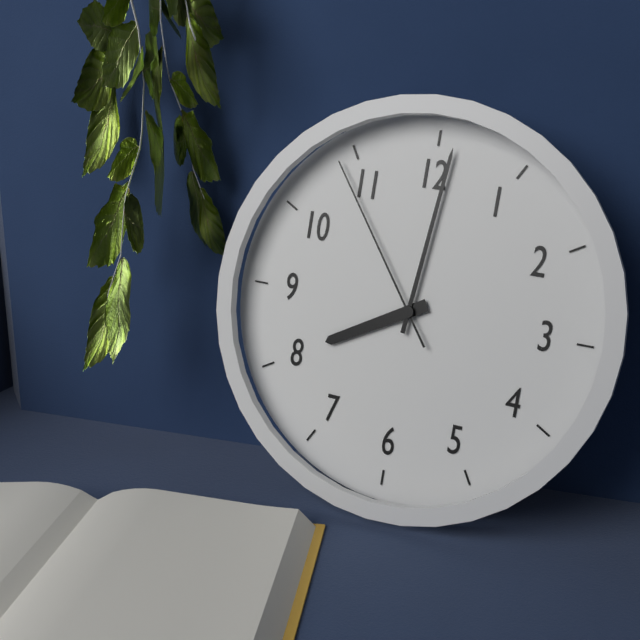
8:01:54
